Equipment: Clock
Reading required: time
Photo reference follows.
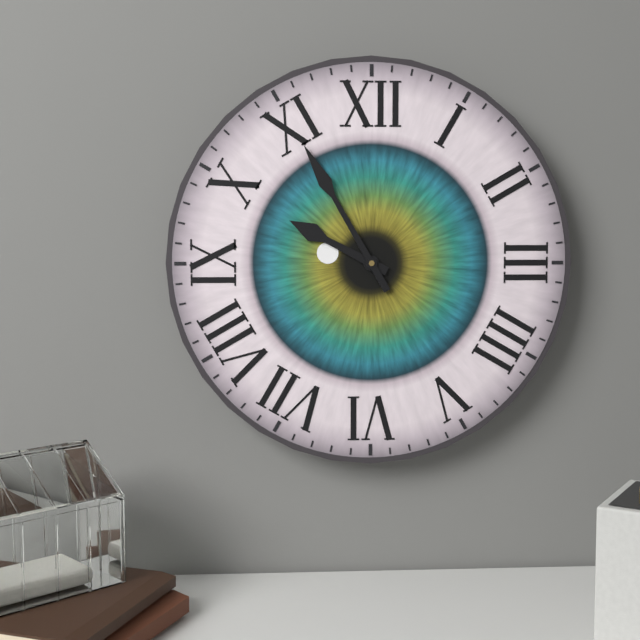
9:55
